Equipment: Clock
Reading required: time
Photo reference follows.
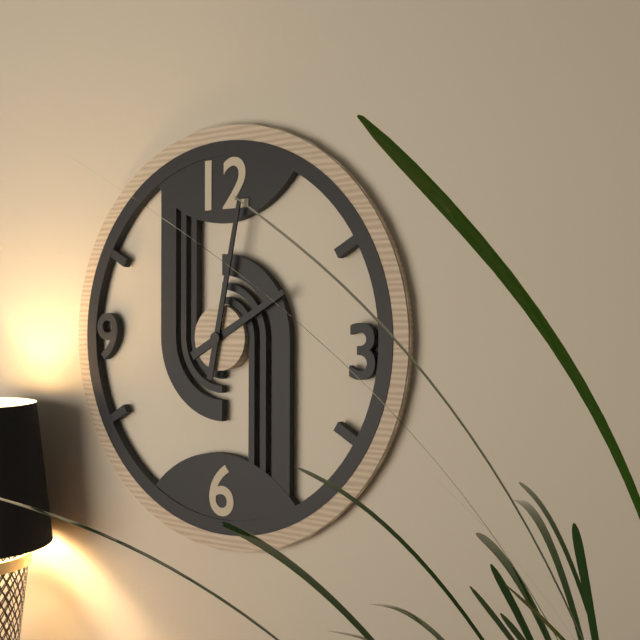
2:02
